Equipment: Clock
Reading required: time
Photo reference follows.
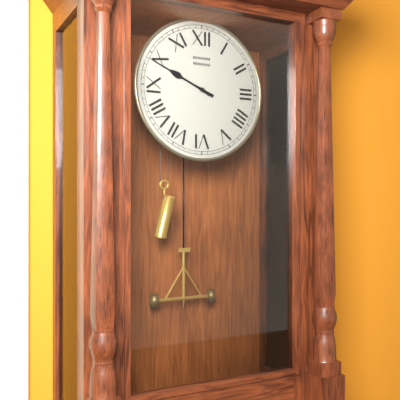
9:49
